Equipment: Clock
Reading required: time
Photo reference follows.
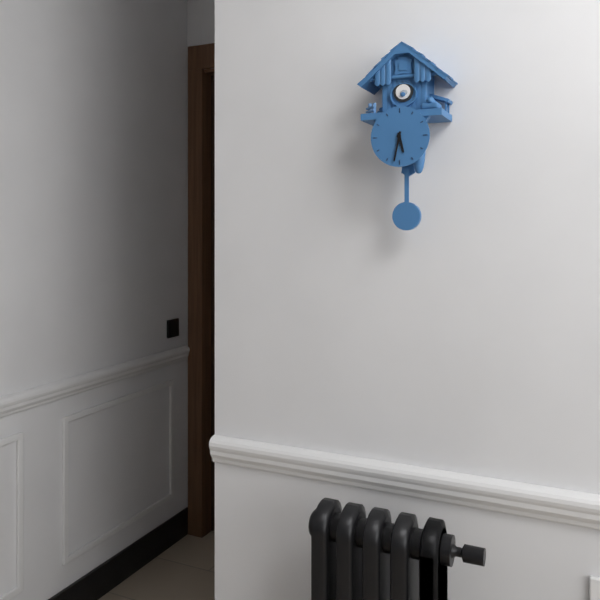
5:32
